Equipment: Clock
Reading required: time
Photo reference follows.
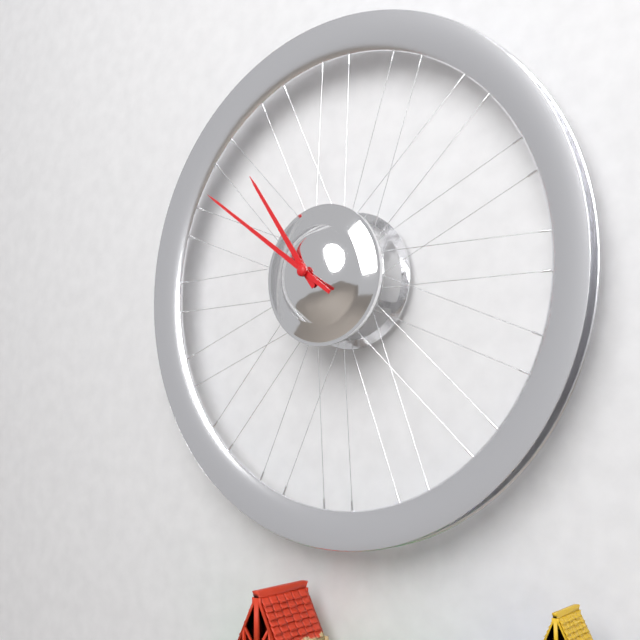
10:51
